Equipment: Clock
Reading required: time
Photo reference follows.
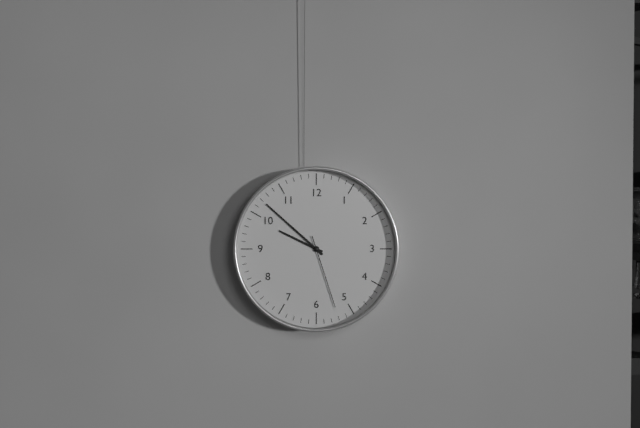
9:52:27
